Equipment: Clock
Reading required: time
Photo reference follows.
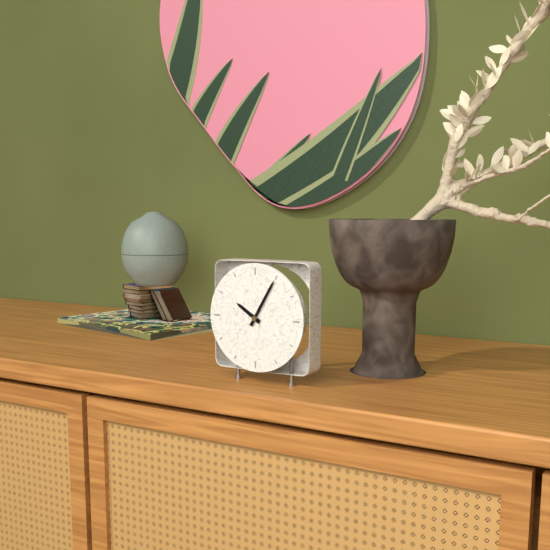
10:05
